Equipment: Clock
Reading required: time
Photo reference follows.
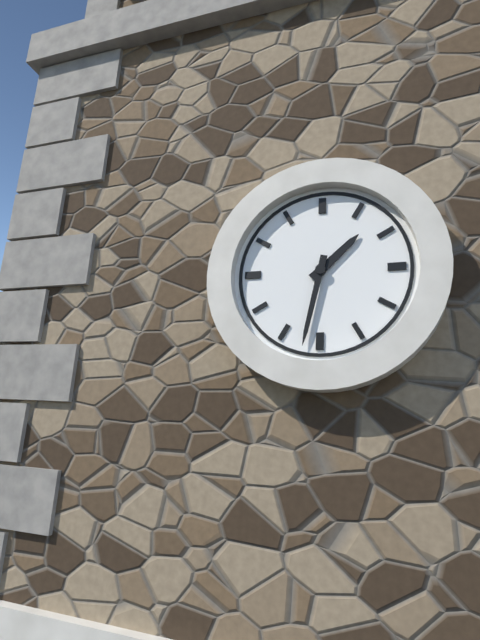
1:32
